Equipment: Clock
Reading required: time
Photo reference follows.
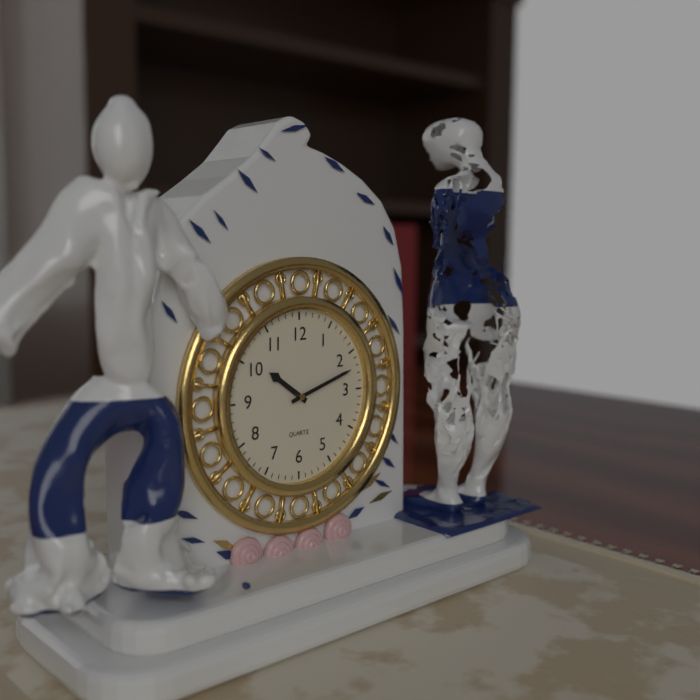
10:12
